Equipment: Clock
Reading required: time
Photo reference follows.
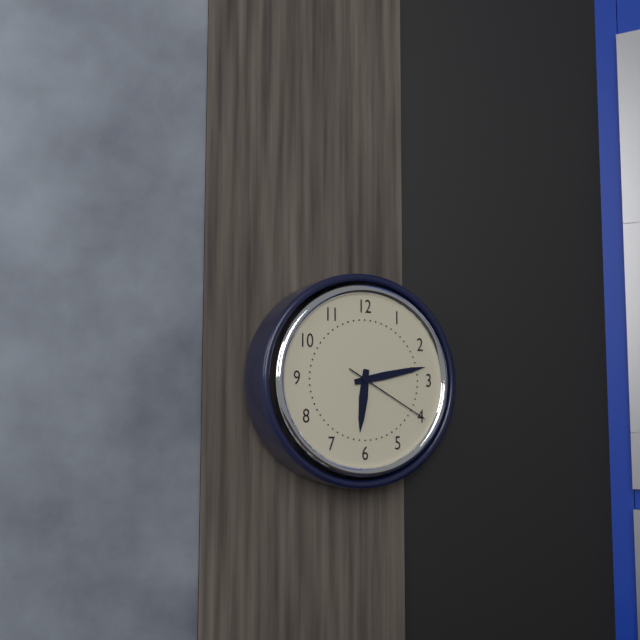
6:13:20
